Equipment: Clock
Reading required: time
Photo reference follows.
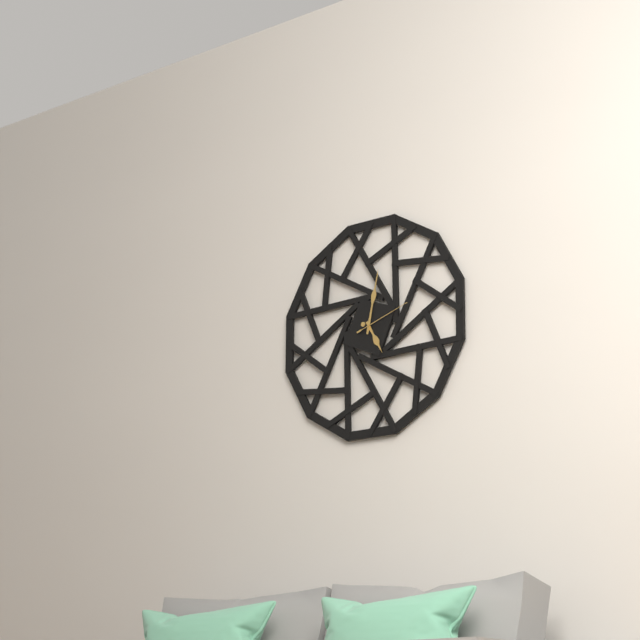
5:02:12
